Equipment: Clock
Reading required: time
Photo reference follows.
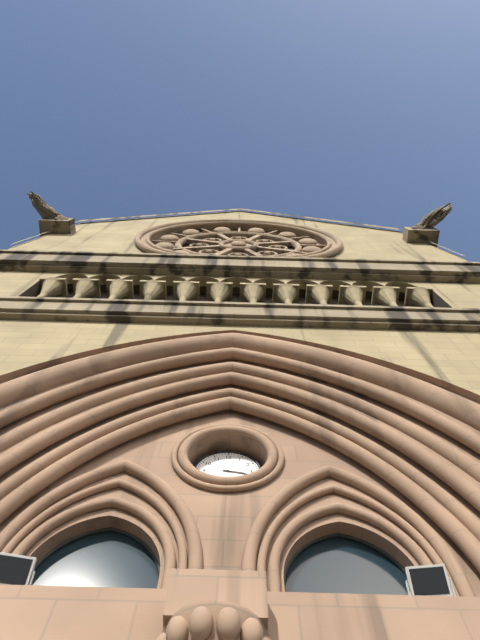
3:17
